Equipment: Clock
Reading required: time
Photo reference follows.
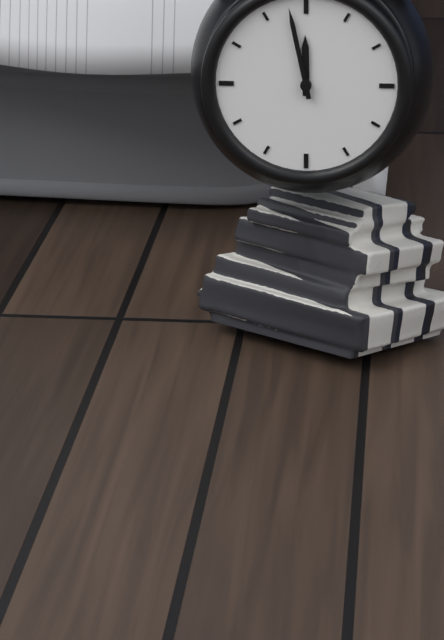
11:58
